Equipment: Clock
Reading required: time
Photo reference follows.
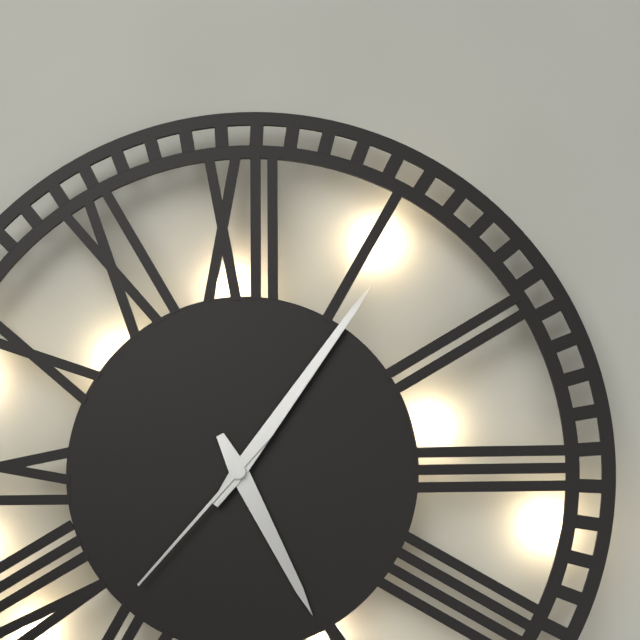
5:06:37
